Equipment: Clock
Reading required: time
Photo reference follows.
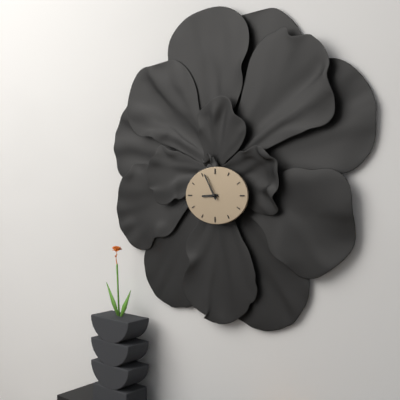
8:55
